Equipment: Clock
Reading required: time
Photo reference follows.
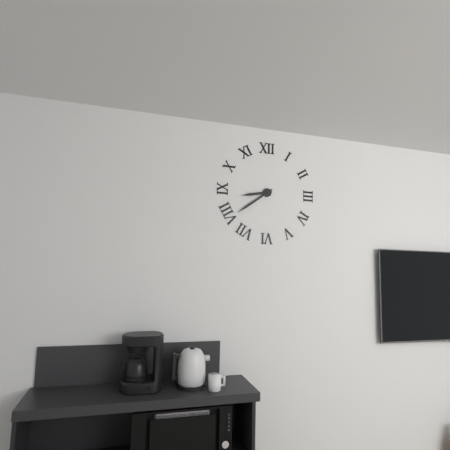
8:39
